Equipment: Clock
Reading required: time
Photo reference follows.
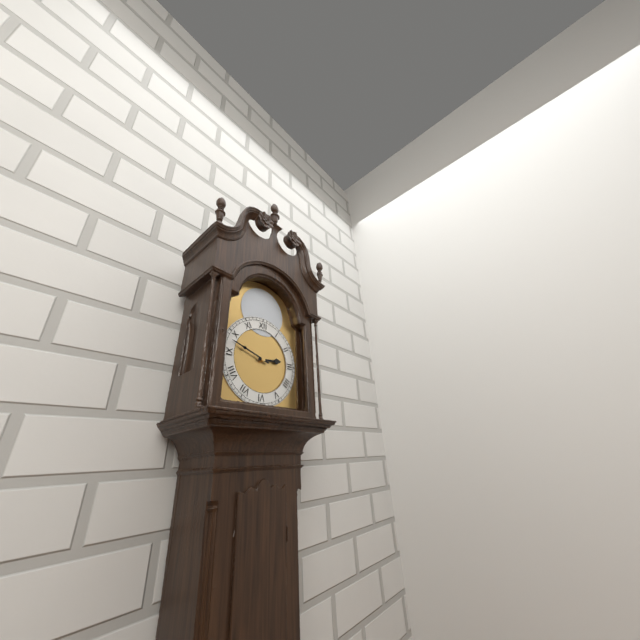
2:48
